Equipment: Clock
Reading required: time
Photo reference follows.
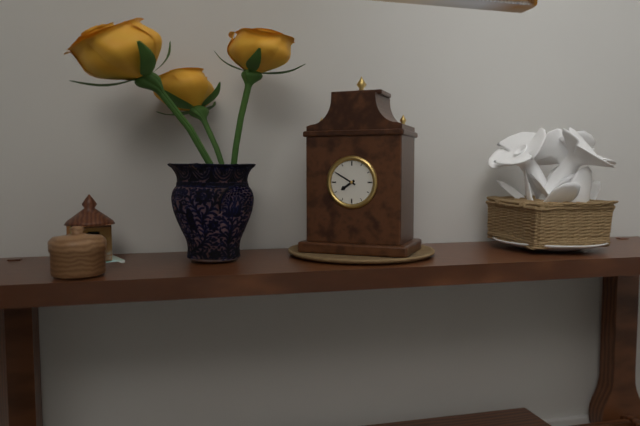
7:50
